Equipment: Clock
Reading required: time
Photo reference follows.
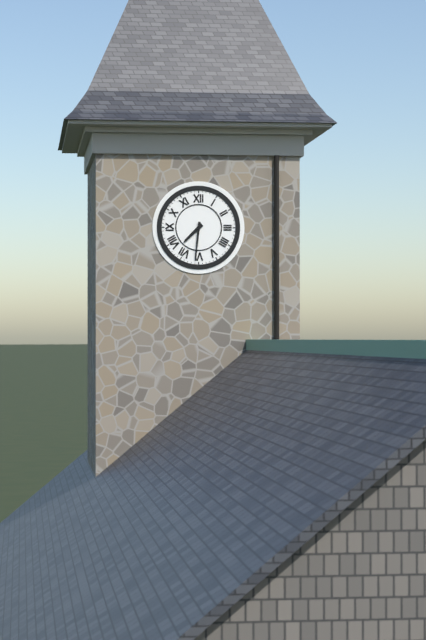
7:31
